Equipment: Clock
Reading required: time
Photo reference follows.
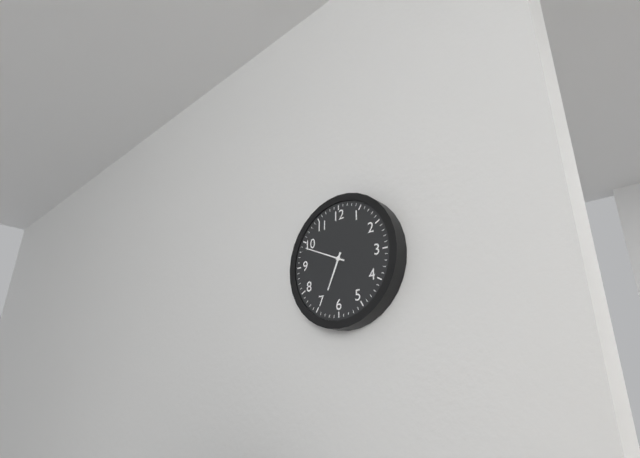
6:49
